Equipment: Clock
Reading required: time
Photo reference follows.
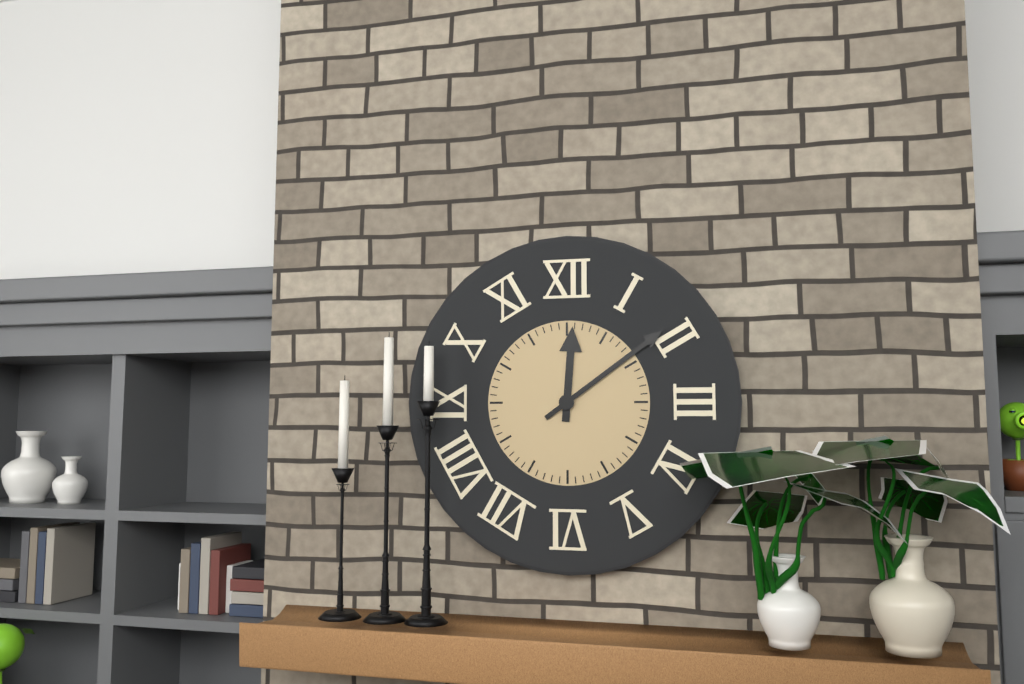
12:09
